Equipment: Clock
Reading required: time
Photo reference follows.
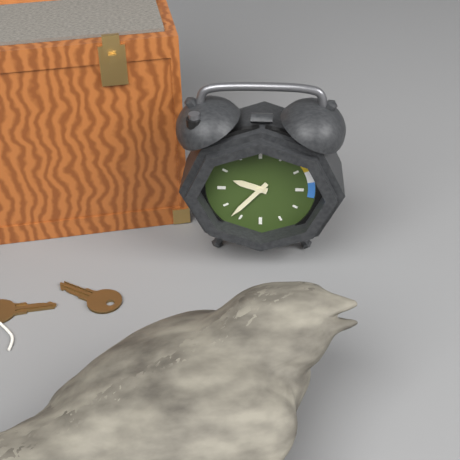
9:37
